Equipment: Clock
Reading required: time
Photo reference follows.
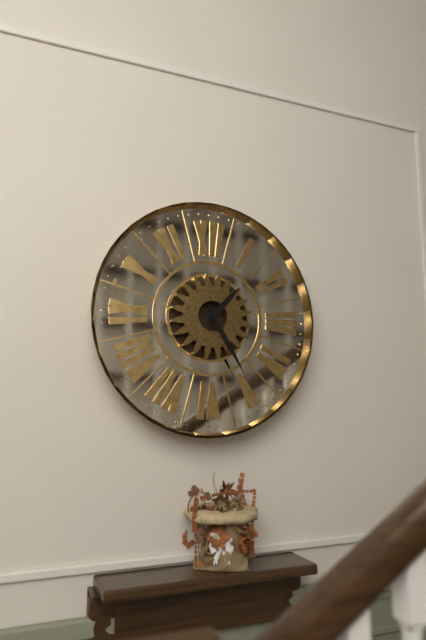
1:25
